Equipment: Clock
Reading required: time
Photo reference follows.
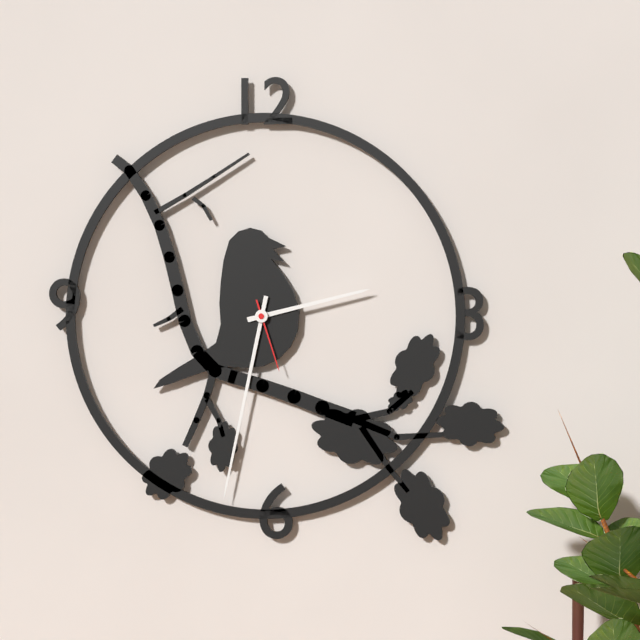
2:32:27
